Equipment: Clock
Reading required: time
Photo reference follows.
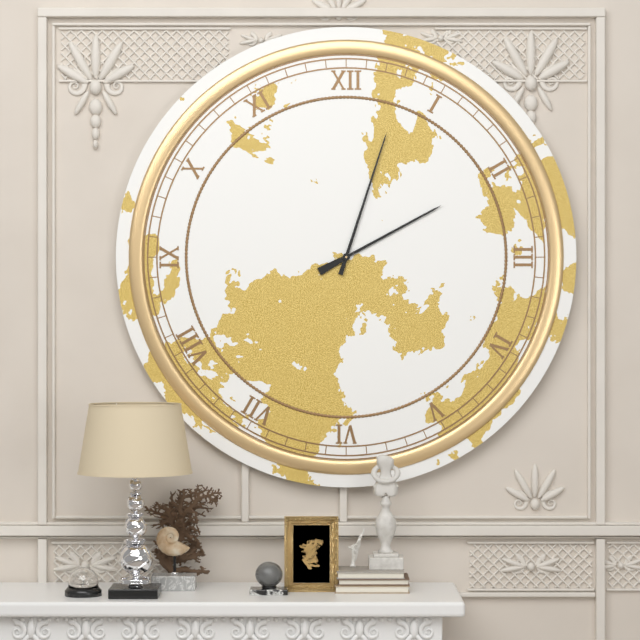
2:03
